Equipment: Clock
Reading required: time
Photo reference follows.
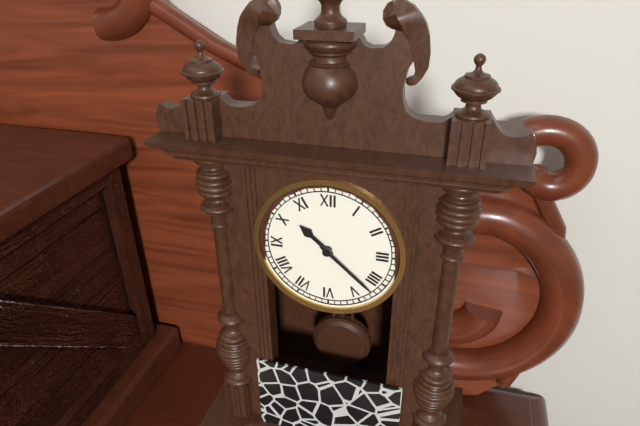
10:22
